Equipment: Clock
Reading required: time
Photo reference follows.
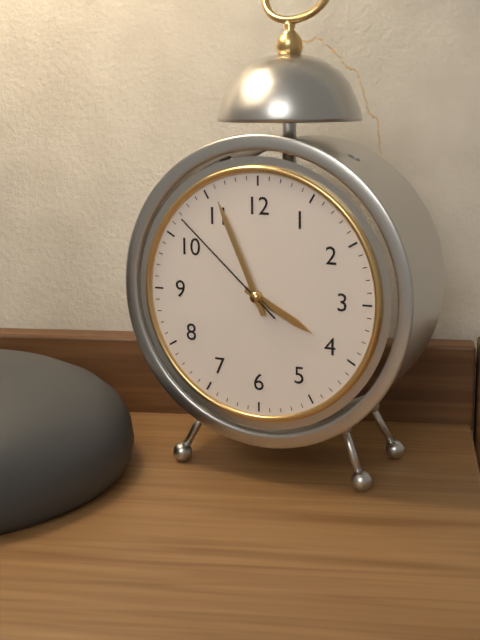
3:56:52
